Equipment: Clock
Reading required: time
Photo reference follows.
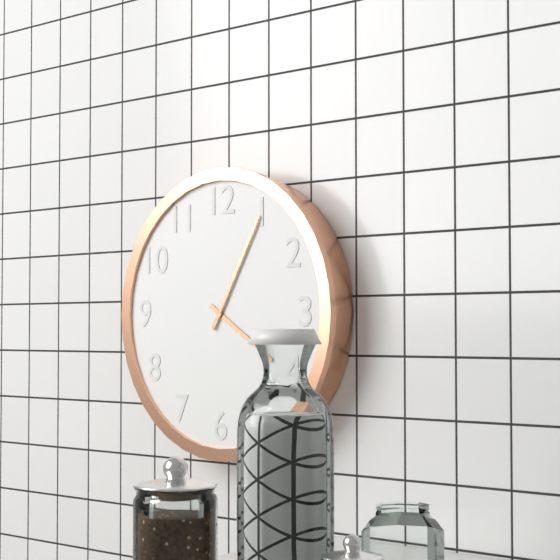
4:05
